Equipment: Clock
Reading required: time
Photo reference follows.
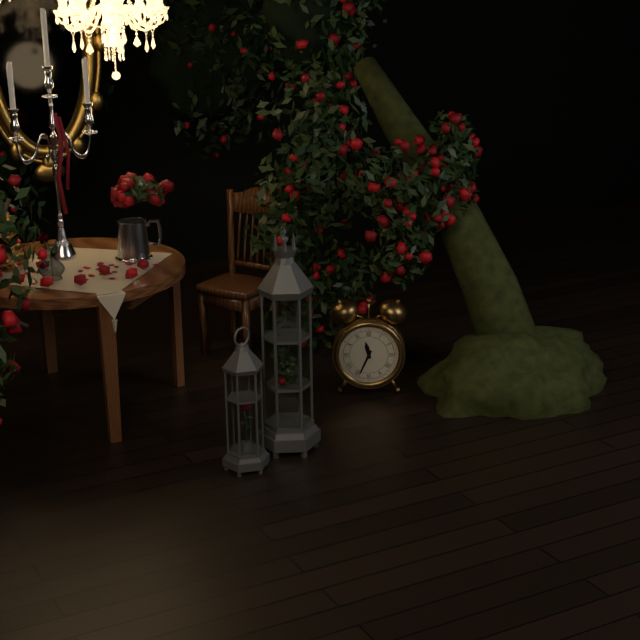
11:34
